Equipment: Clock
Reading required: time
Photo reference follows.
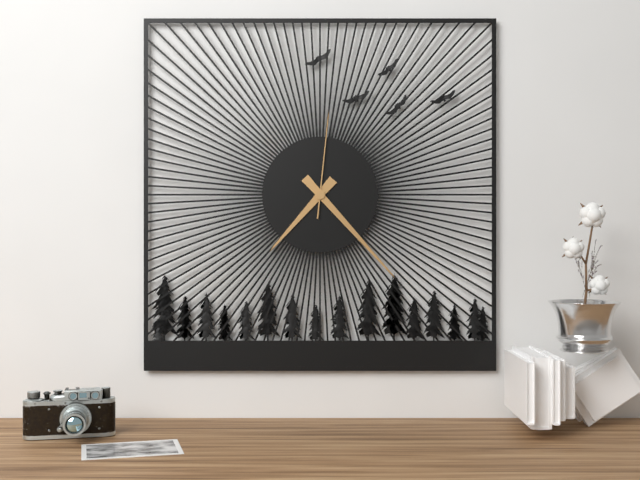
7:23:01
